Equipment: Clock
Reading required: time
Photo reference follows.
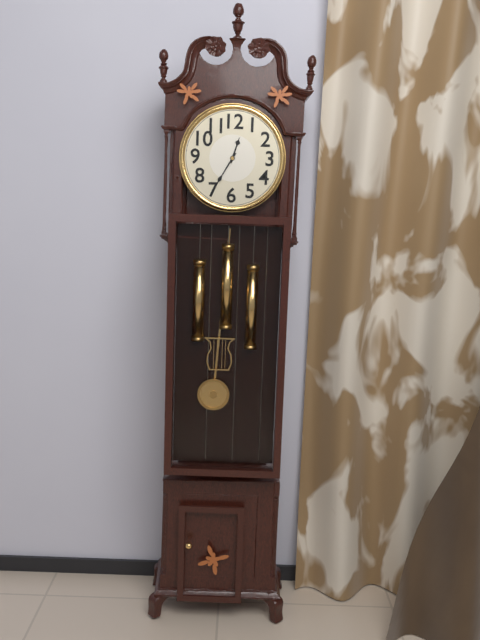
12:35
